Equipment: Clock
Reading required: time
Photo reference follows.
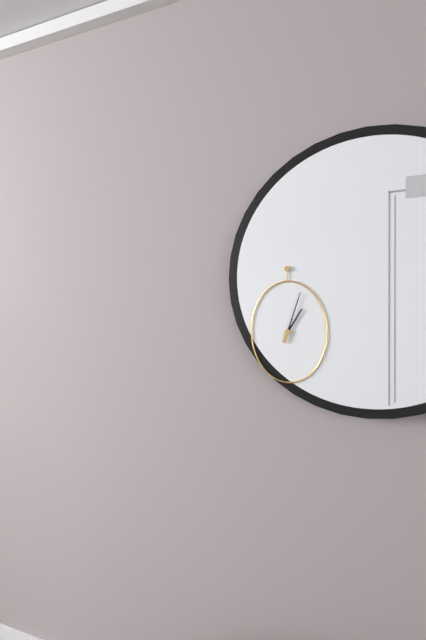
1:03
